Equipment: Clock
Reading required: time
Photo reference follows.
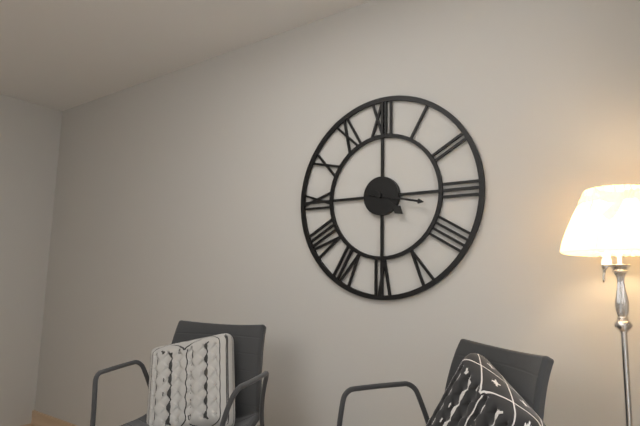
4:17
